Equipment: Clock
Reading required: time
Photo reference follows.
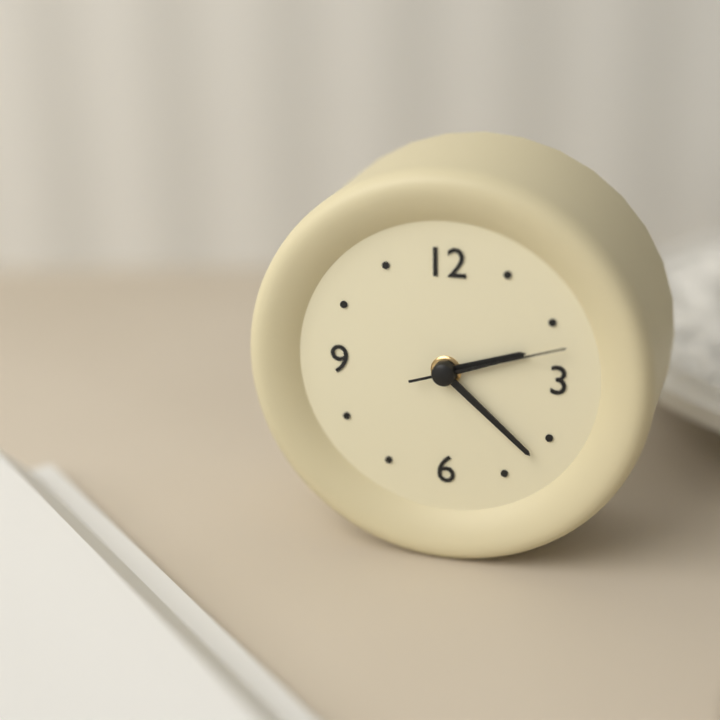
2:22:12
